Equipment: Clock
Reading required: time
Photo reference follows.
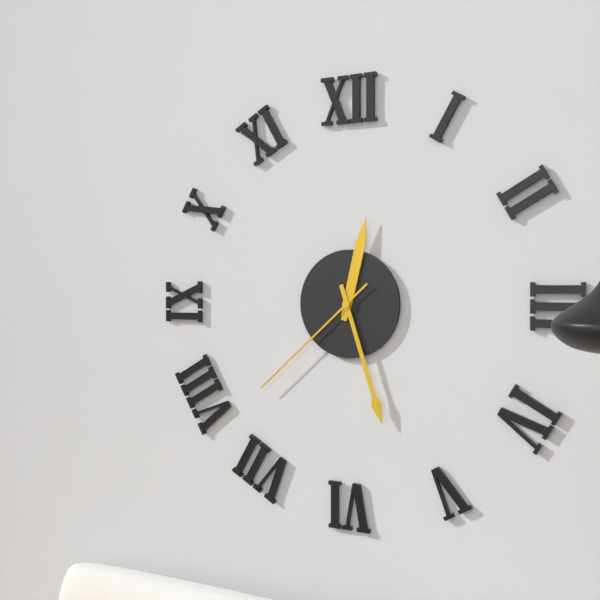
12:27:38
